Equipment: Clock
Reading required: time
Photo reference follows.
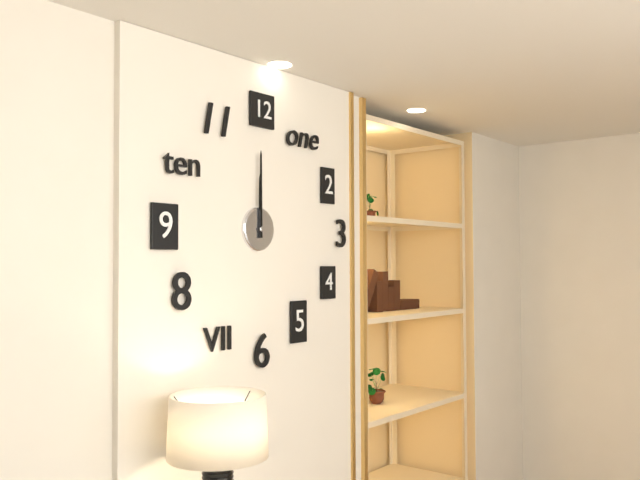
12:00
